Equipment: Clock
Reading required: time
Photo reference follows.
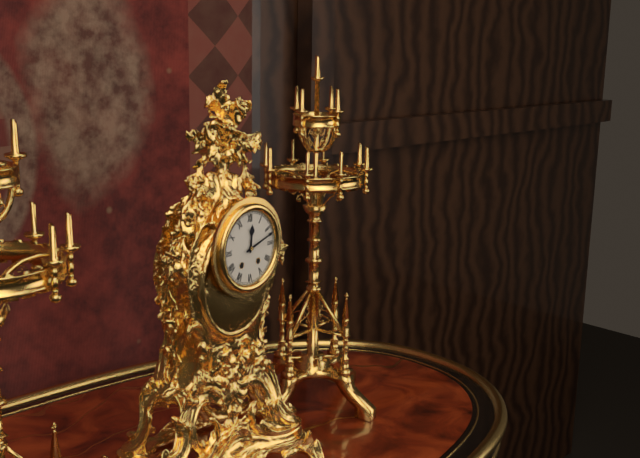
12:12
